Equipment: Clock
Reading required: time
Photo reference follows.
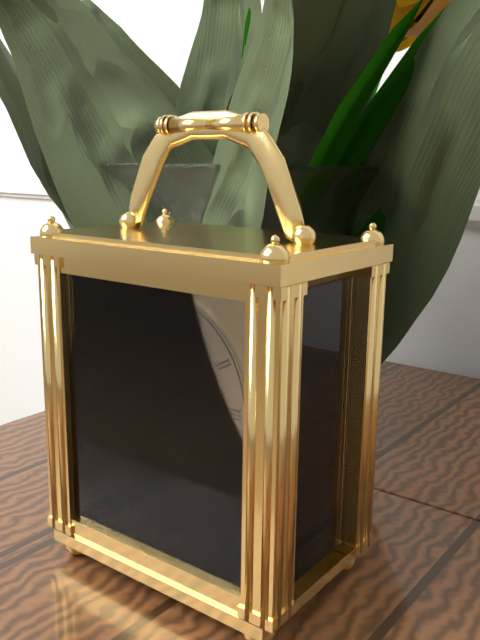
6:19
